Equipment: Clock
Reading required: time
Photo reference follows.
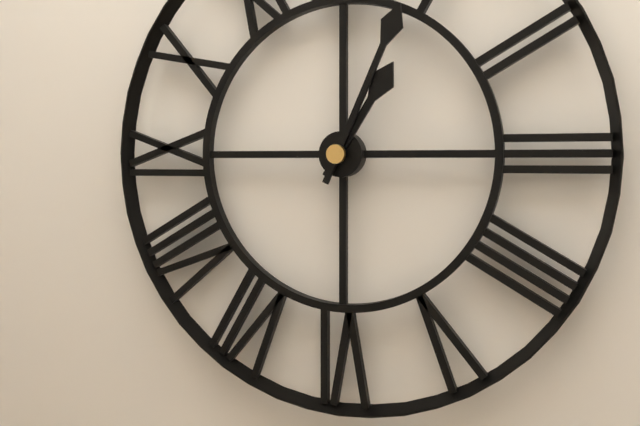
1:04
